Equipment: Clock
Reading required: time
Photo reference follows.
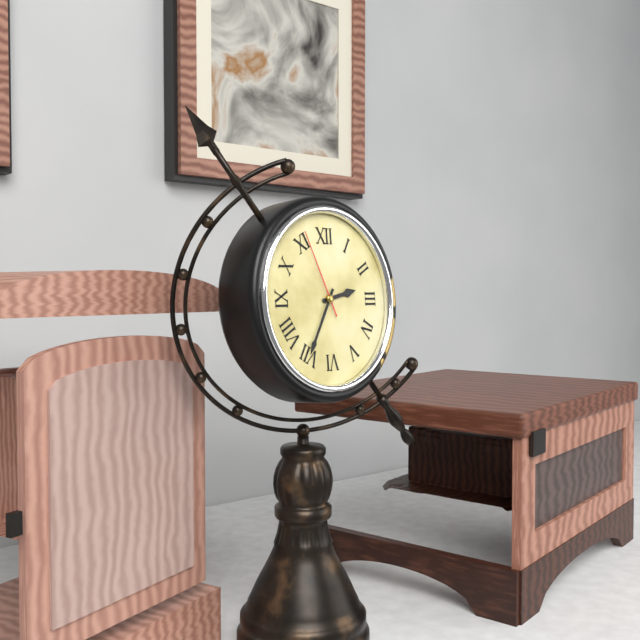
2:35:56
